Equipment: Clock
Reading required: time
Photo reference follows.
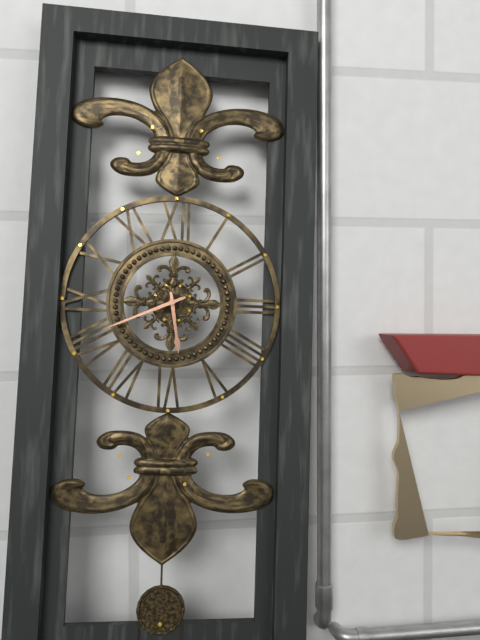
5:41
